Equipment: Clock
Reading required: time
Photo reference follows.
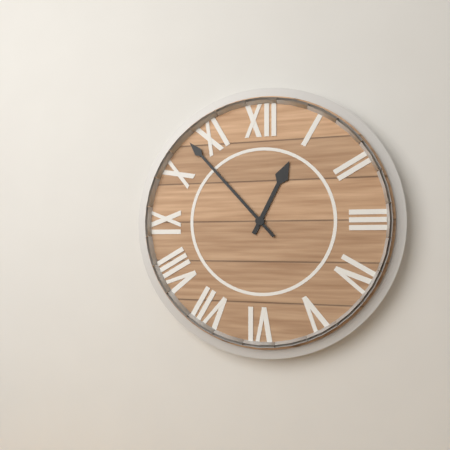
12:53
